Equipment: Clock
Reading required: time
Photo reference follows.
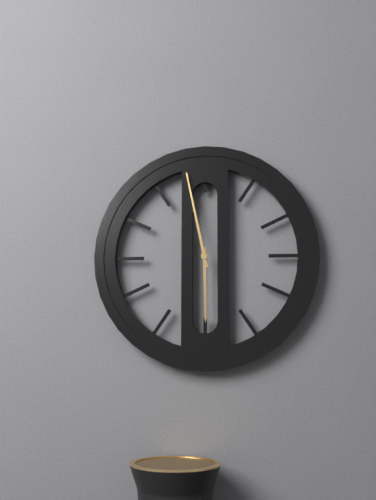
5:58
